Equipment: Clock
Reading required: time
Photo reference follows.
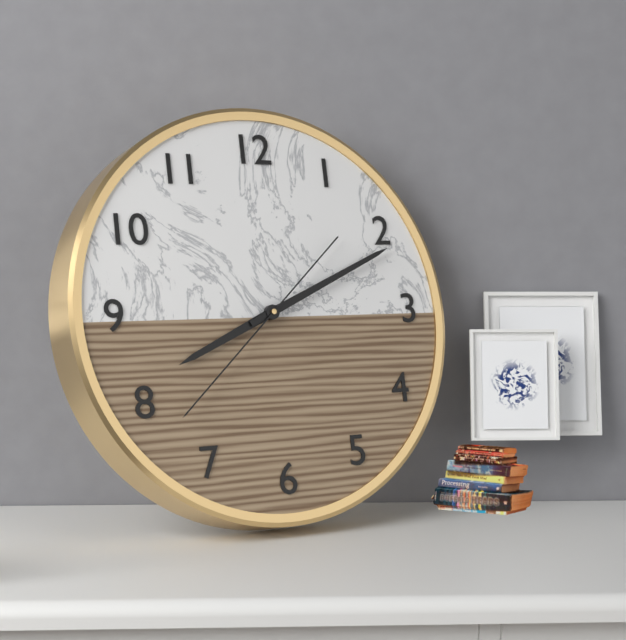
8:11:38
